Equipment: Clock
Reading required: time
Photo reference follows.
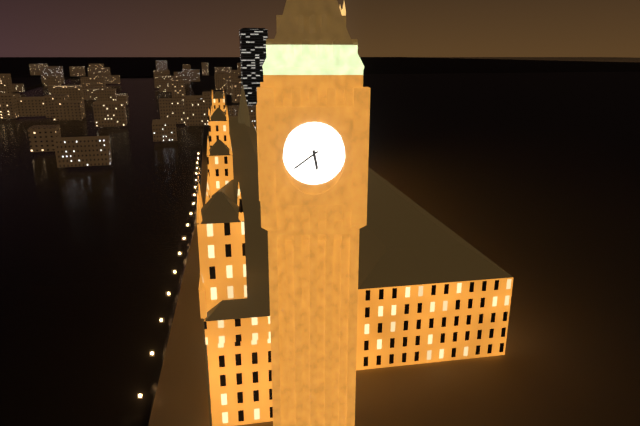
5:39
